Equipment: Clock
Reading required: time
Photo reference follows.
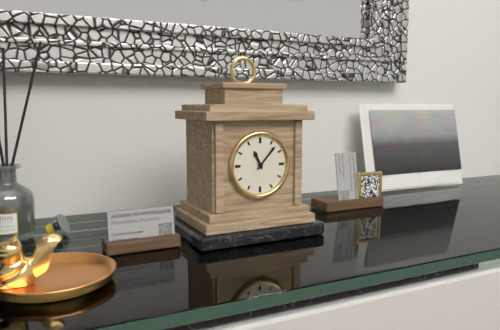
11:07
